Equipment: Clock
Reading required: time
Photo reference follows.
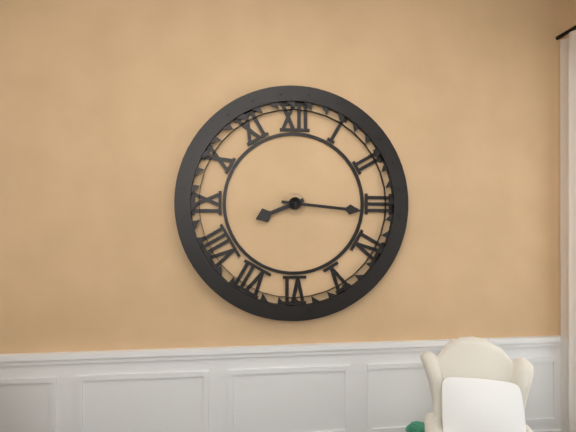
8:16
